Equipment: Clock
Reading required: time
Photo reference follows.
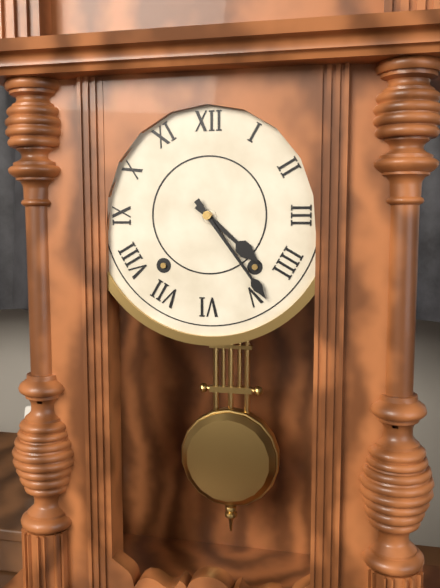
4:24
